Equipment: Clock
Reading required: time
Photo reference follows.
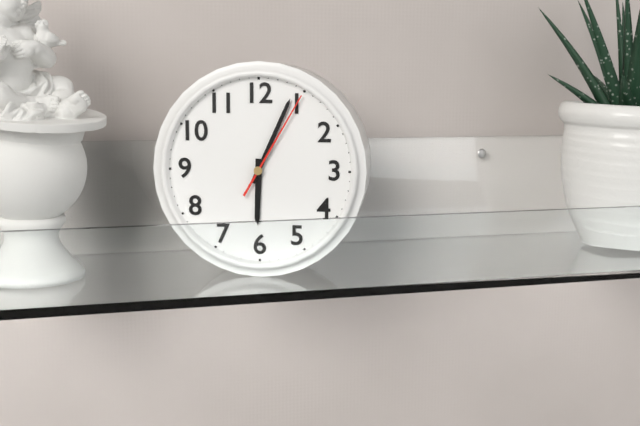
6:04:05
